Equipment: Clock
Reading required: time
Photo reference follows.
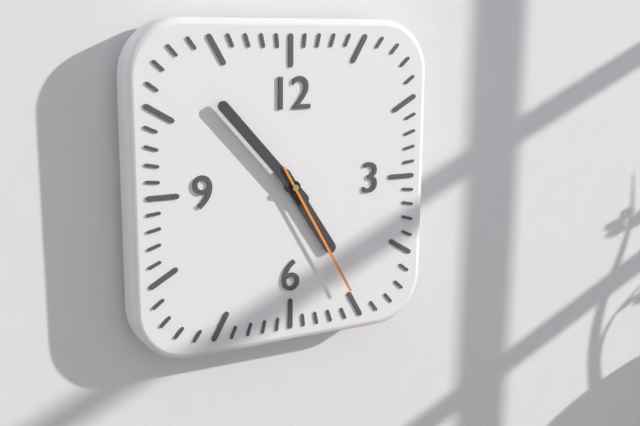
4:53:25
